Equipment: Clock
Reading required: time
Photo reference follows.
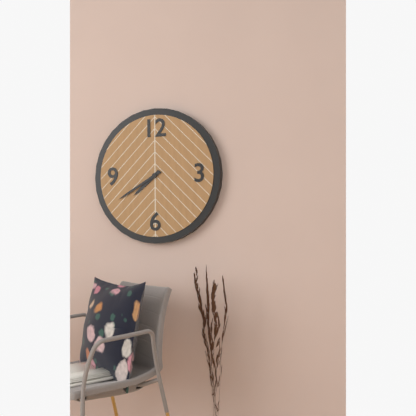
7:40
